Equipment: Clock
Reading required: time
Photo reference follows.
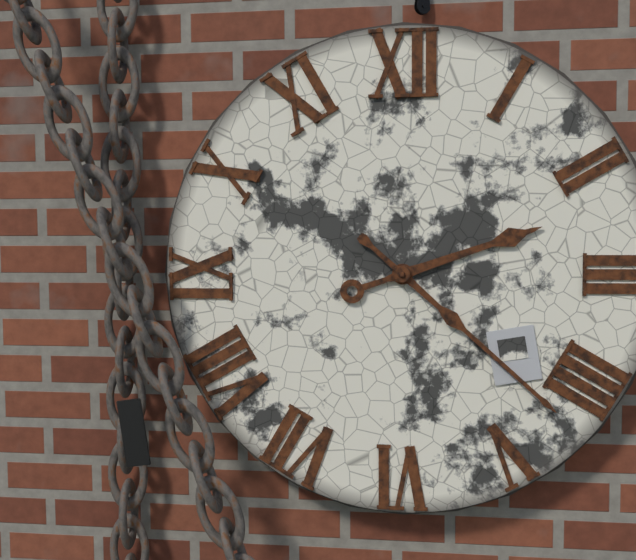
2:22
